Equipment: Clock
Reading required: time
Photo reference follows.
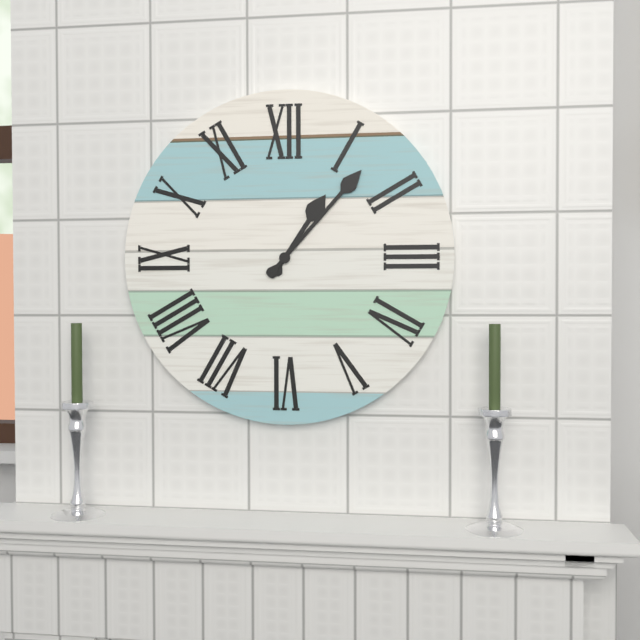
1:07
